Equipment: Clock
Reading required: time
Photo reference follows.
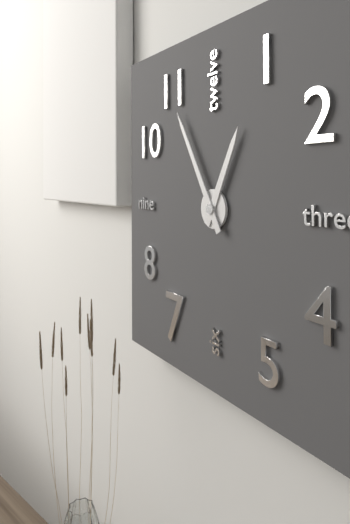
12:55
